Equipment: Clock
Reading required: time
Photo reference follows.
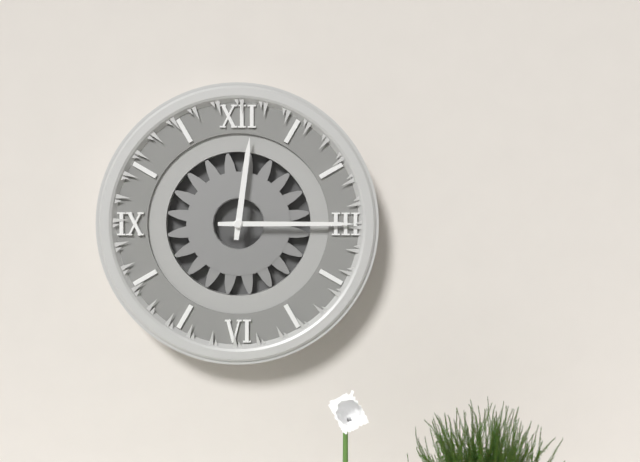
12:15
